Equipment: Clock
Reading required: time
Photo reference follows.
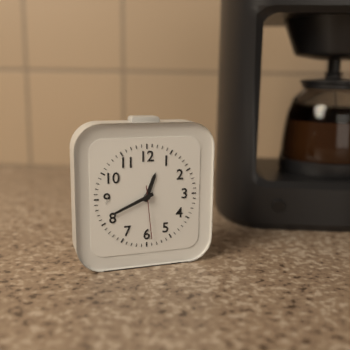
12:41:29
